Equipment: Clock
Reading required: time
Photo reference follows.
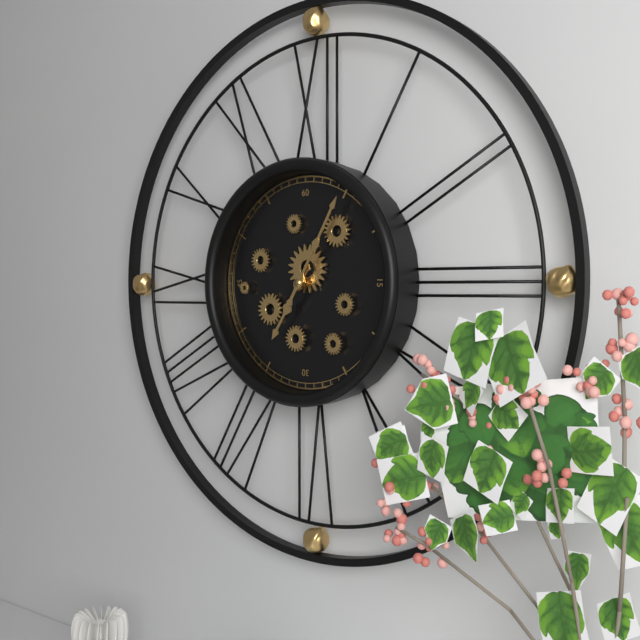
7:05
